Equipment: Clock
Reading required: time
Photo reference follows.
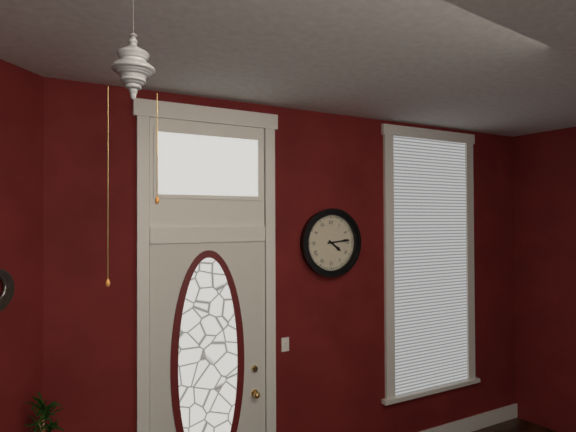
4:14
